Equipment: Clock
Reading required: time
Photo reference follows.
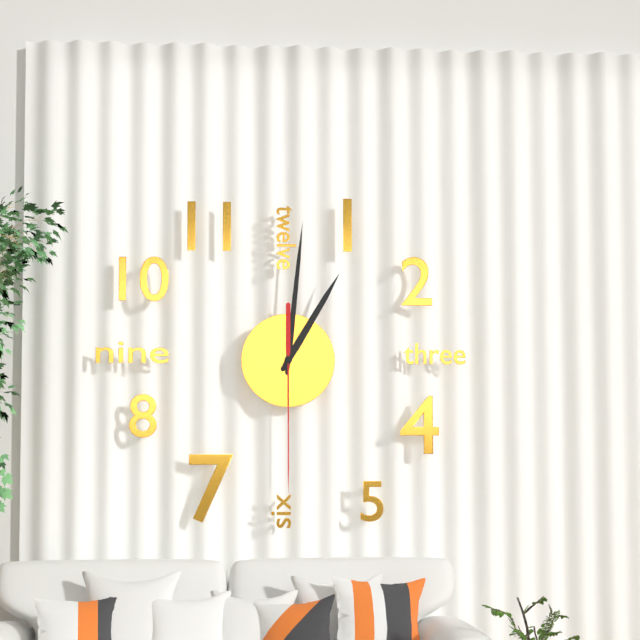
1:01:30
